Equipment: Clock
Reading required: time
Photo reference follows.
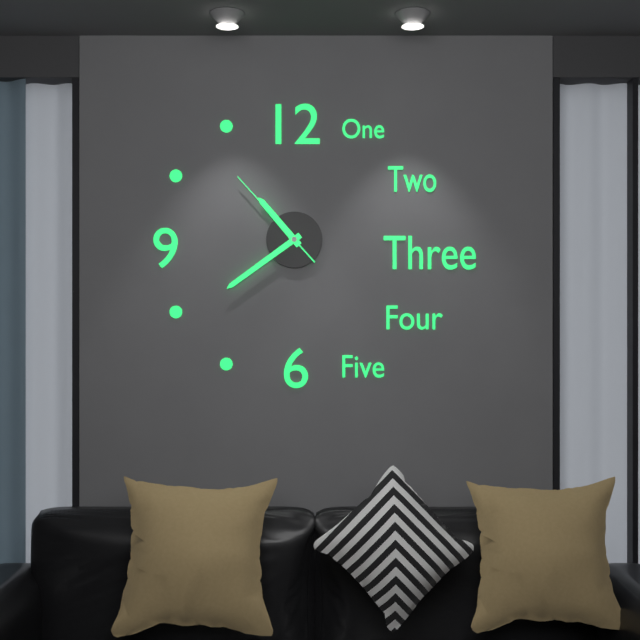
10:39:53
